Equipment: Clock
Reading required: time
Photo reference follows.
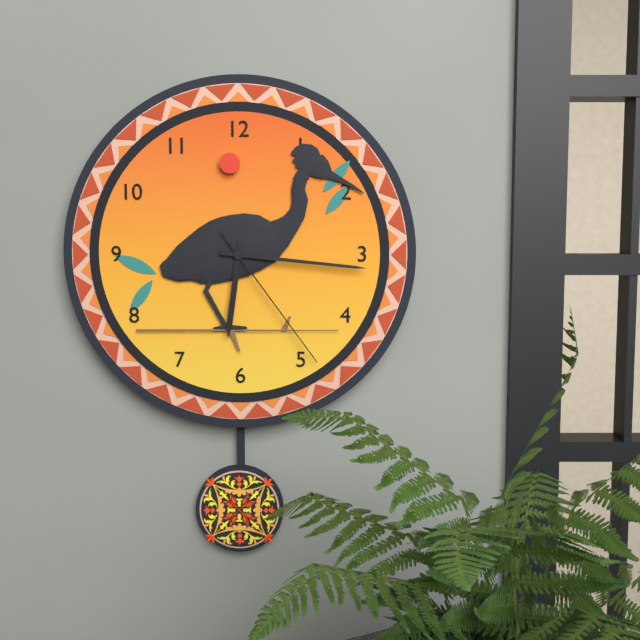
6:16:24
